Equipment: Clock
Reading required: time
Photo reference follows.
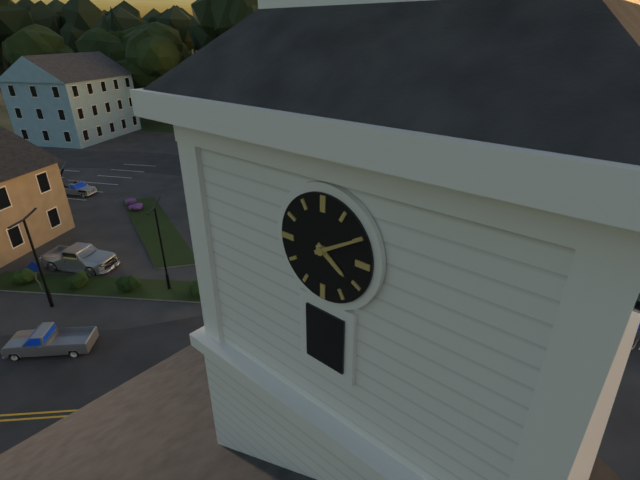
4:10
